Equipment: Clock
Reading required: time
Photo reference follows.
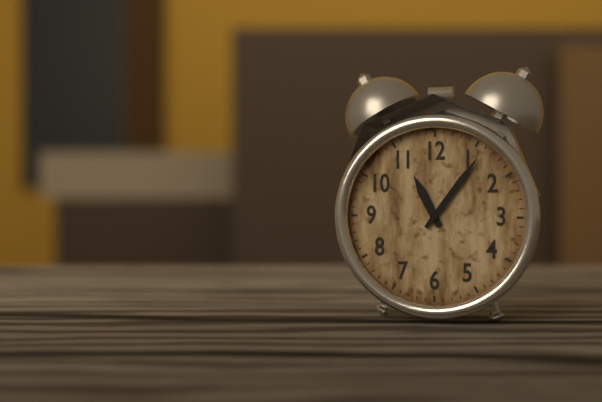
11:06
